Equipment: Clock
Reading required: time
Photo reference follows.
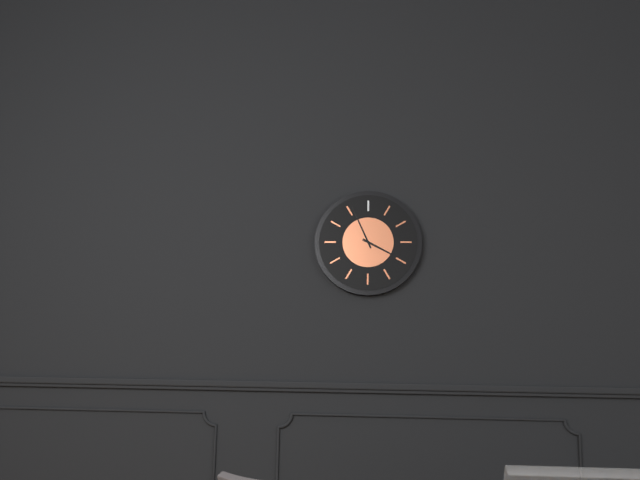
3:56
